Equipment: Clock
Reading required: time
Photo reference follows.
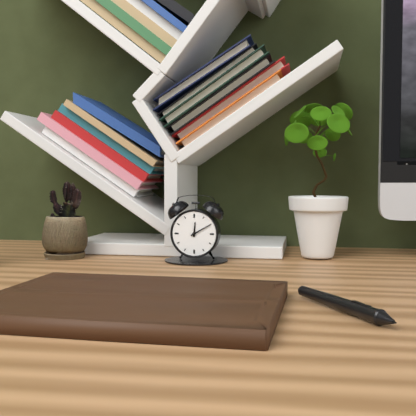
12:10
